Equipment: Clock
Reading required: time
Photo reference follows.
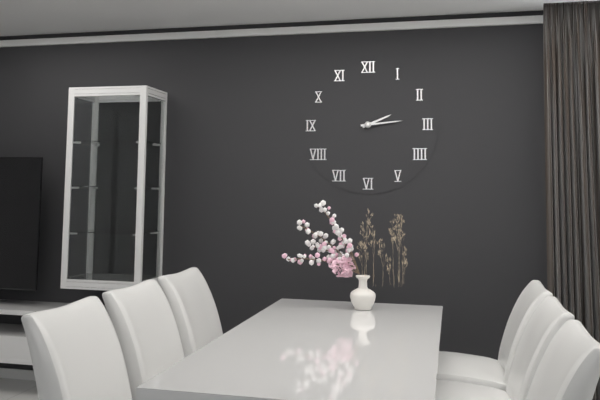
2:14
